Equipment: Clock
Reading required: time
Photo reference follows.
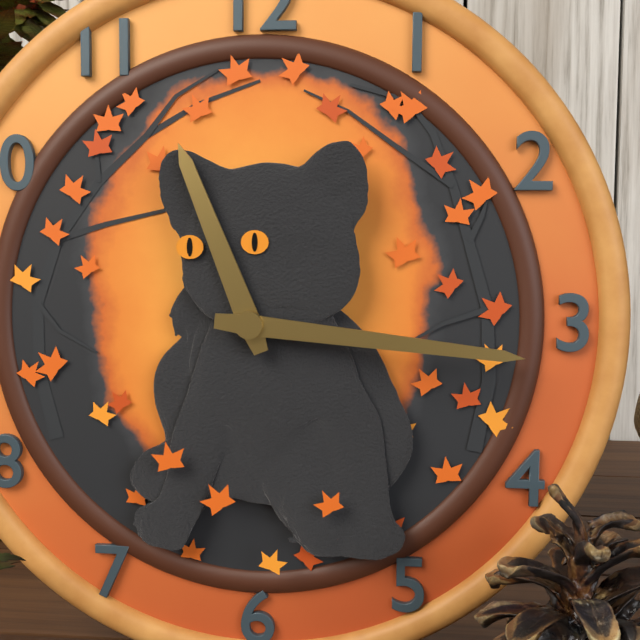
11:16
